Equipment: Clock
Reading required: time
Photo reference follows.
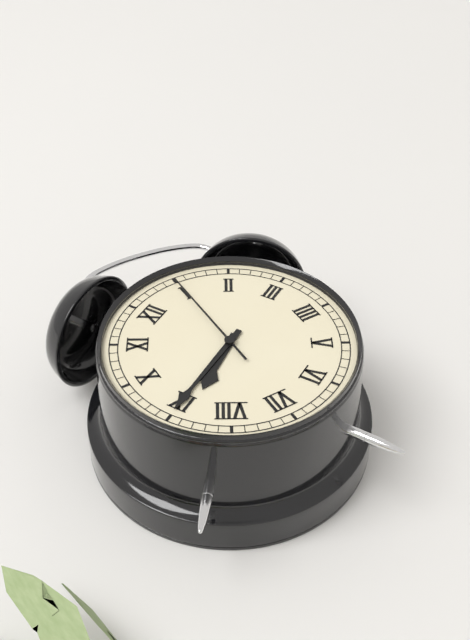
8:45:05
